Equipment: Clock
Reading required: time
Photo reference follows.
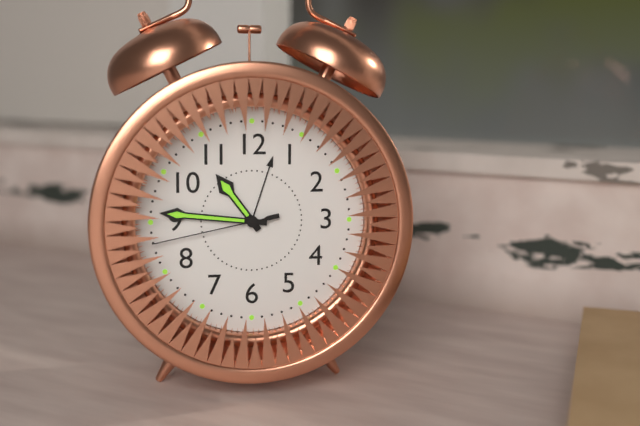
10:46:43
